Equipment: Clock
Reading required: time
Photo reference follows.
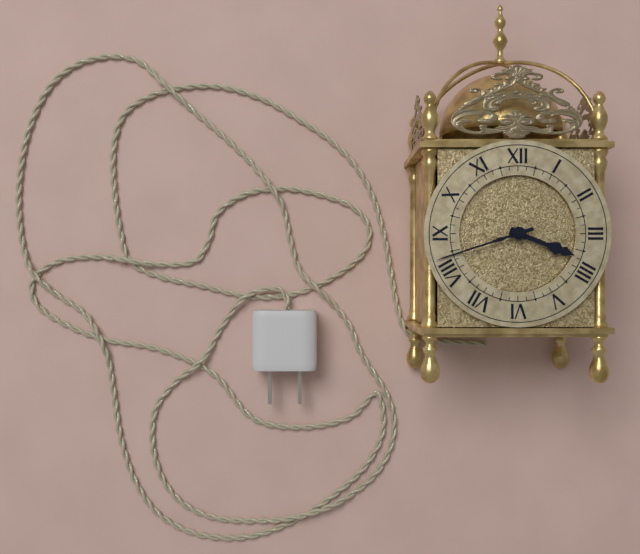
3:42
